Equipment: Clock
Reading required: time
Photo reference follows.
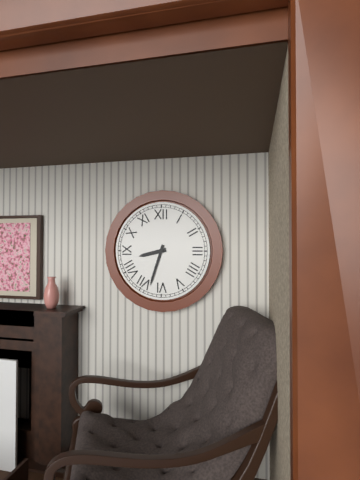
8:33
